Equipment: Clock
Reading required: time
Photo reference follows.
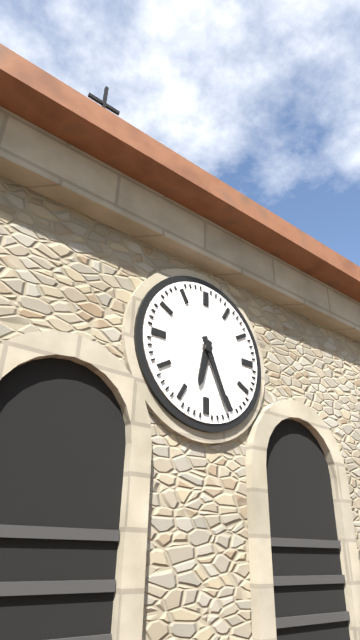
6:26
